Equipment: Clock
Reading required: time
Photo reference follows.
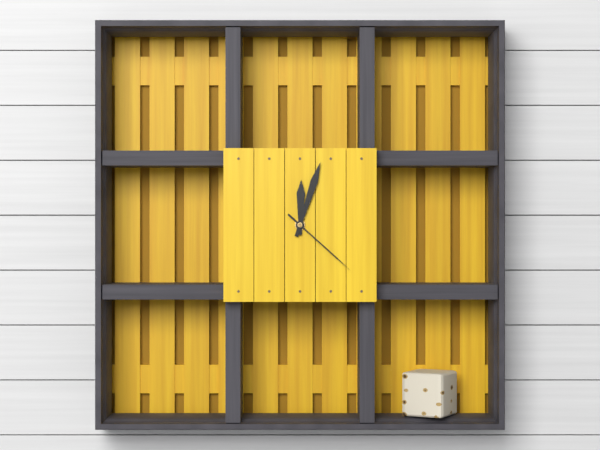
12:03:22
